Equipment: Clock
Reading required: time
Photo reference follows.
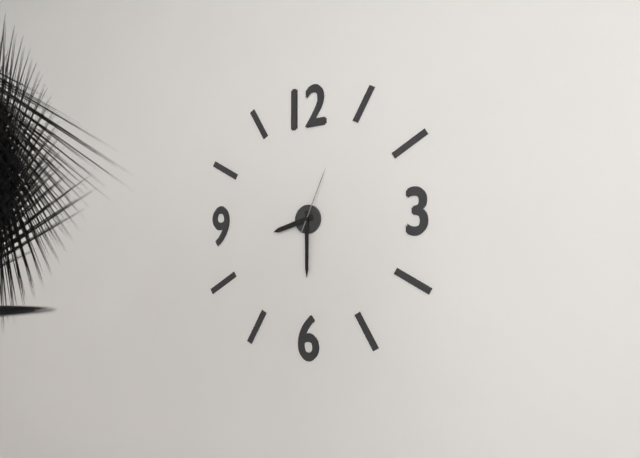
8:30:04
